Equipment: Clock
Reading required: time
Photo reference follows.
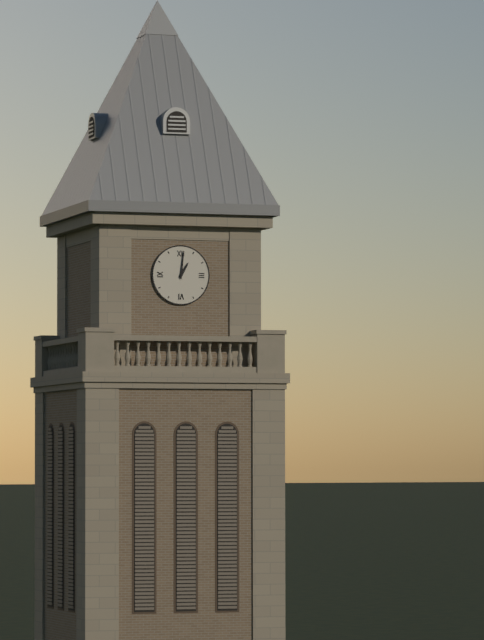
1:01
